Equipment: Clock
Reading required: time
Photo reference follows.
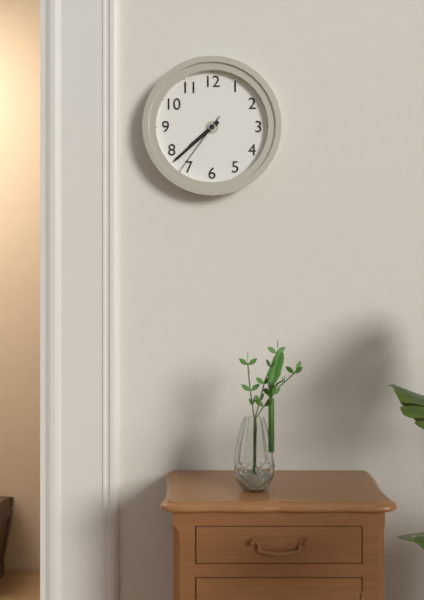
7:38:36
